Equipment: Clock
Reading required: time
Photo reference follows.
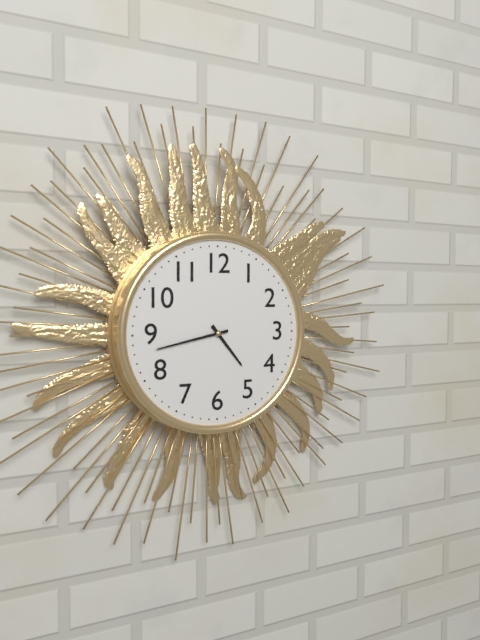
4:43
